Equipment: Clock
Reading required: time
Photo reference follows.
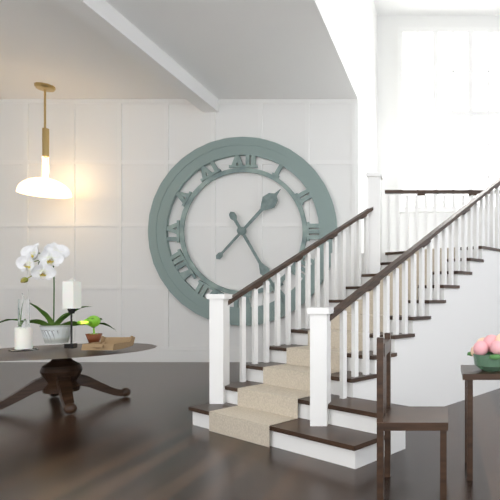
1:25
